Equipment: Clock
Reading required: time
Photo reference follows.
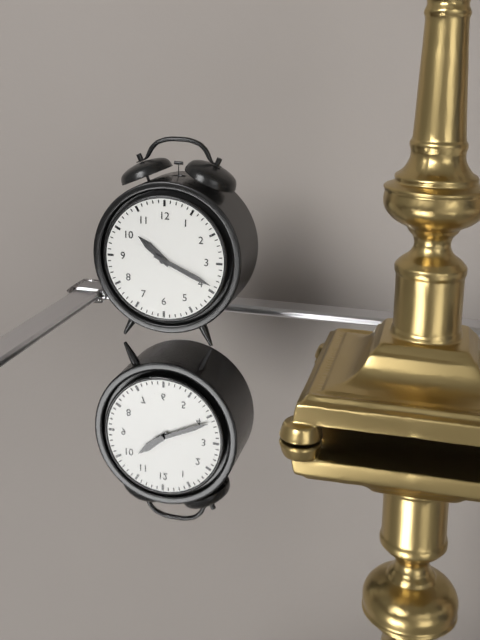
10:19
